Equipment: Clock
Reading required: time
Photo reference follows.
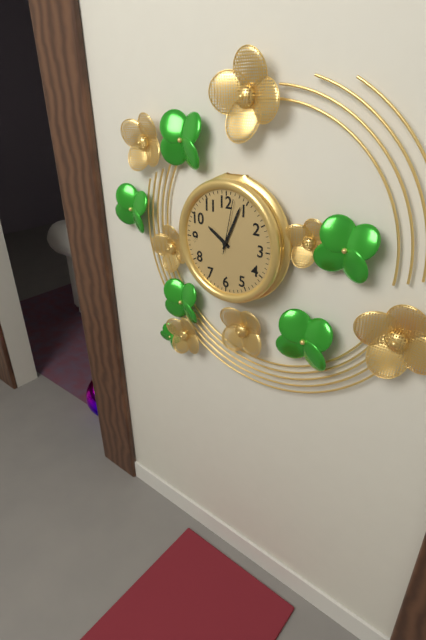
10:04:02
